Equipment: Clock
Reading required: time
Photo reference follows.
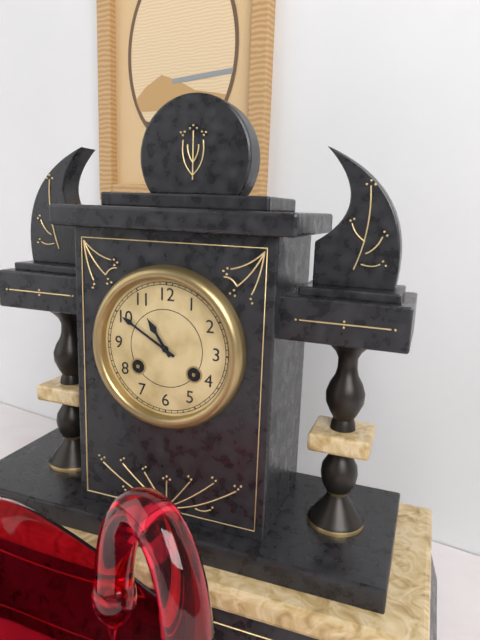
10:50
